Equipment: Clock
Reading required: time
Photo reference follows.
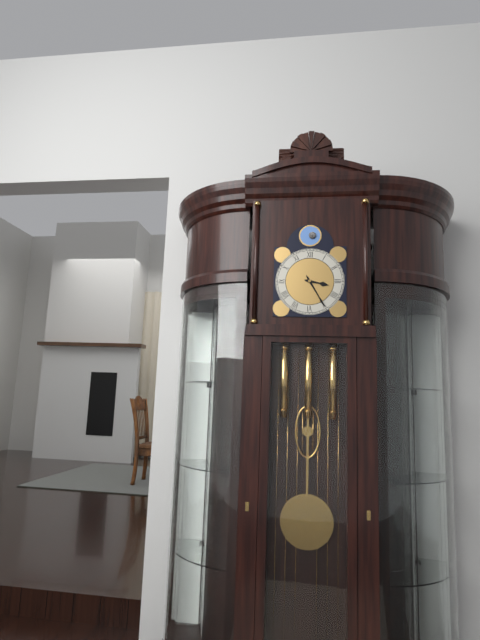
3:25
